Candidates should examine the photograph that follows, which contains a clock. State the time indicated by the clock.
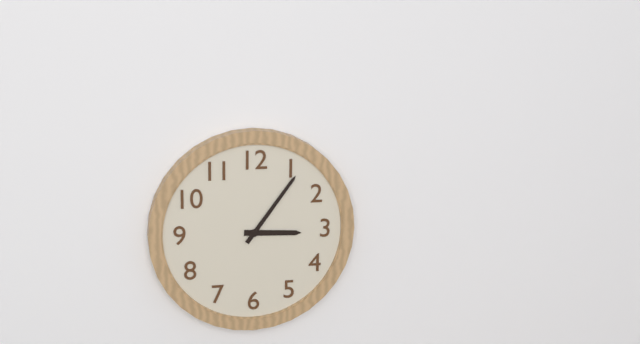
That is 3:06
